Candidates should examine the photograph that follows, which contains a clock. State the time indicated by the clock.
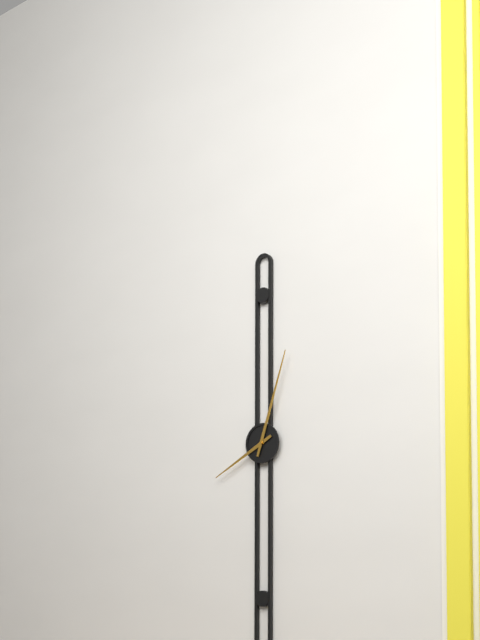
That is 8:03
